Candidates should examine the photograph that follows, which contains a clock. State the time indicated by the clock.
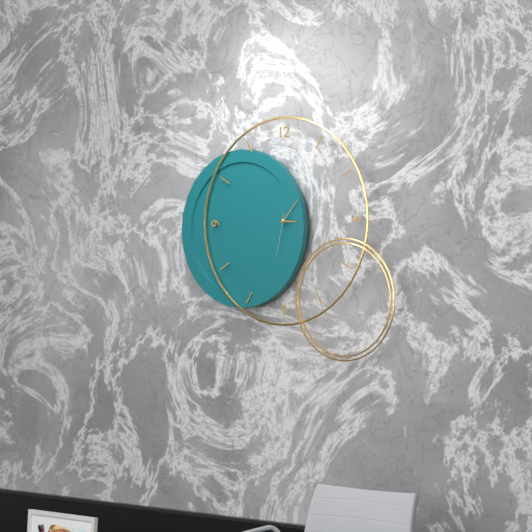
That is 3:07
